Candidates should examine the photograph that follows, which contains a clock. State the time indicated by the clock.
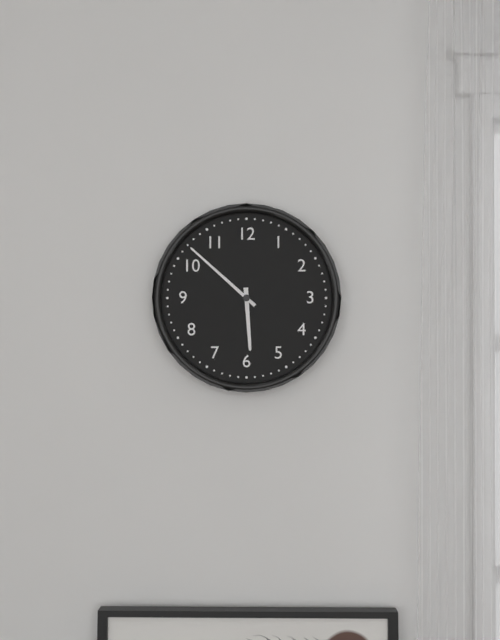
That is 5:52
